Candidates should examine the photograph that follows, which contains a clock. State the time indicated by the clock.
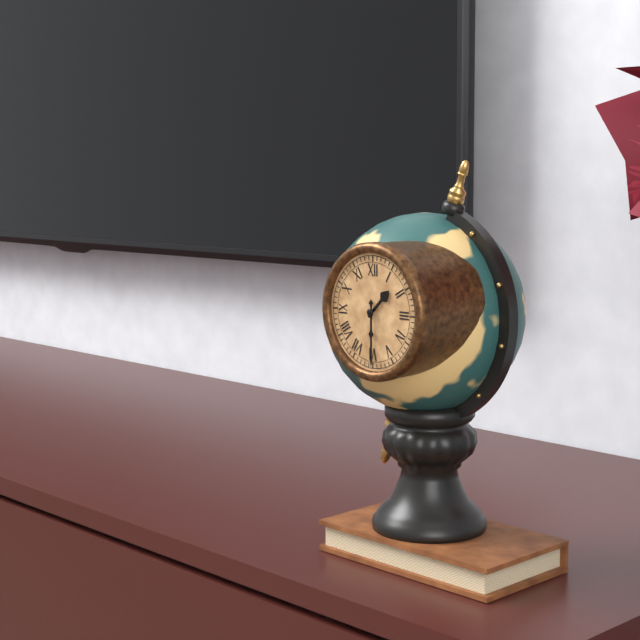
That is 1:30
